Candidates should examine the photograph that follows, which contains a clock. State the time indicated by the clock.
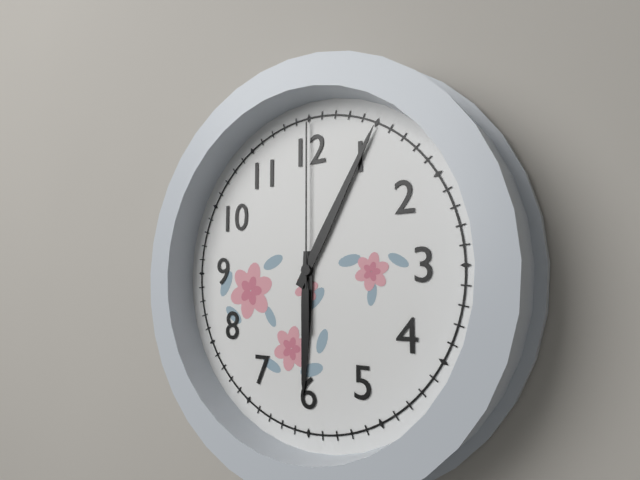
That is 6:05:00
